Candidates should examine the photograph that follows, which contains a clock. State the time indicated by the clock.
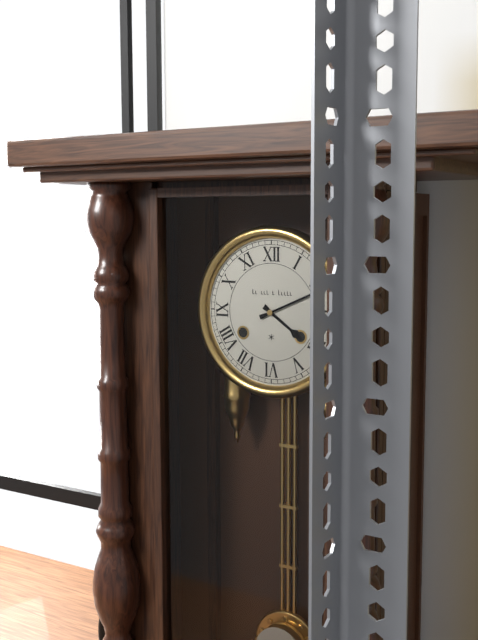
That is 4:11
